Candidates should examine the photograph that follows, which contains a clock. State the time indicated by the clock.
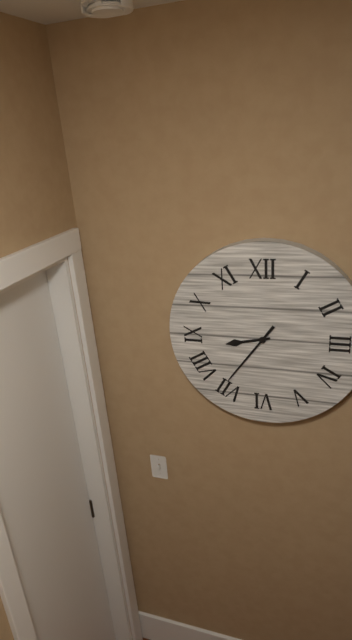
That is 8:36
